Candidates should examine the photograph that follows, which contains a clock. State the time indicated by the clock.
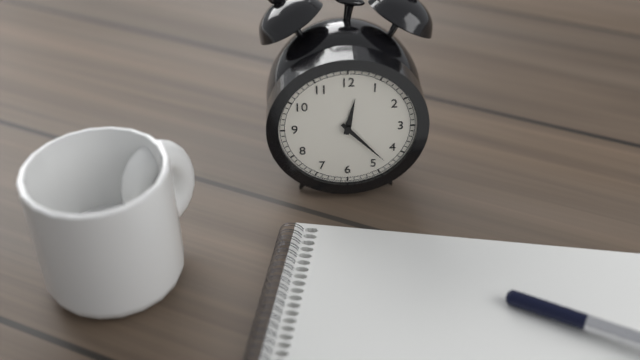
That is 12:23
